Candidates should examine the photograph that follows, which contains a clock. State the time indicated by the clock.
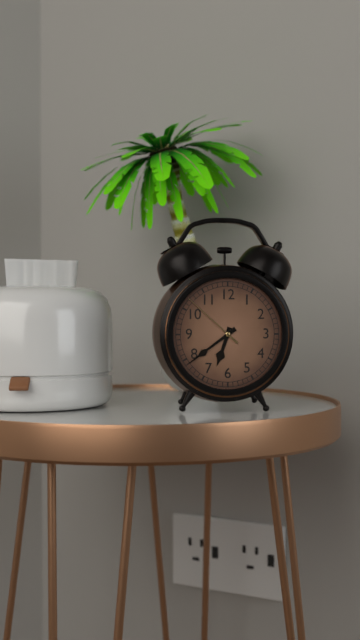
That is 6:39:52
